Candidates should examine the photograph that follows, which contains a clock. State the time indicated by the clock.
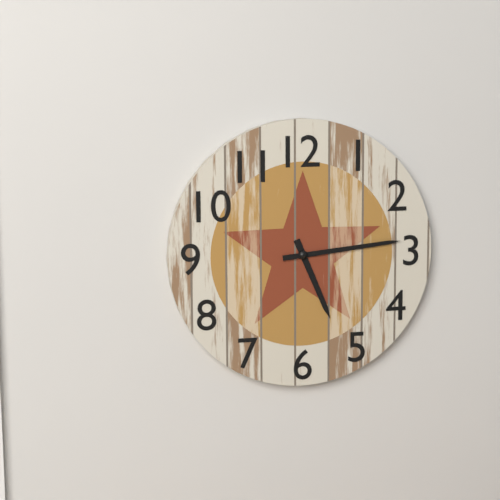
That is 5:14
